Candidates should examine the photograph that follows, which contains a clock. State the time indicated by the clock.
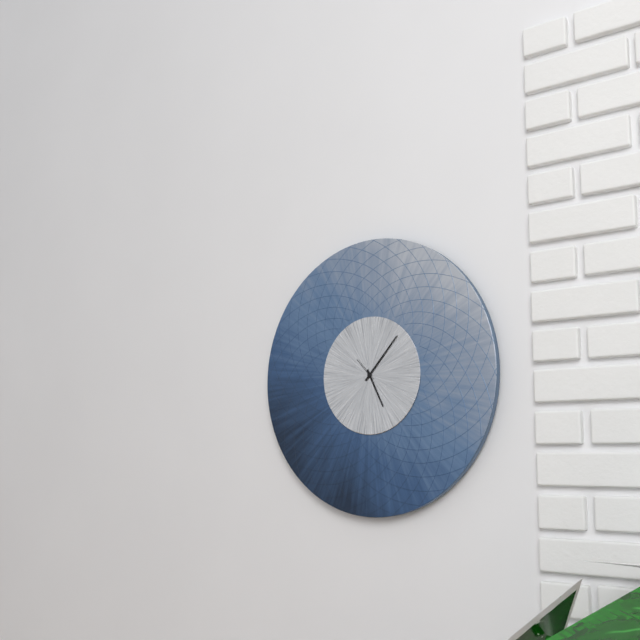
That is 5:07
